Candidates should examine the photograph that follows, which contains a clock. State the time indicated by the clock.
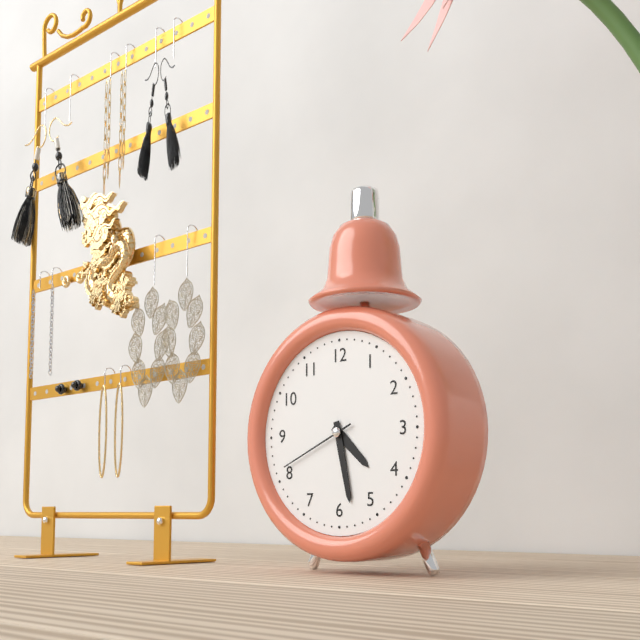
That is 4:28:41
